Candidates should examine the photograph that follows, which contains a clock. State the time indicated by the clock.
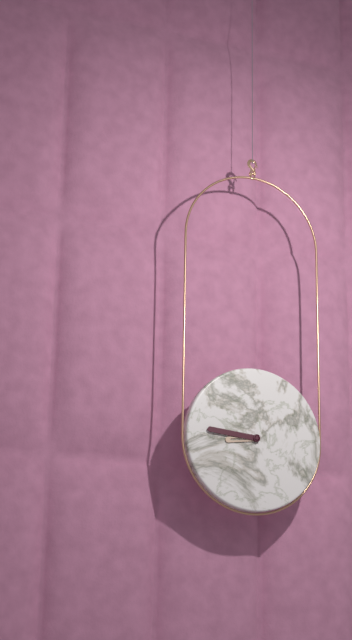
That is 8:46
